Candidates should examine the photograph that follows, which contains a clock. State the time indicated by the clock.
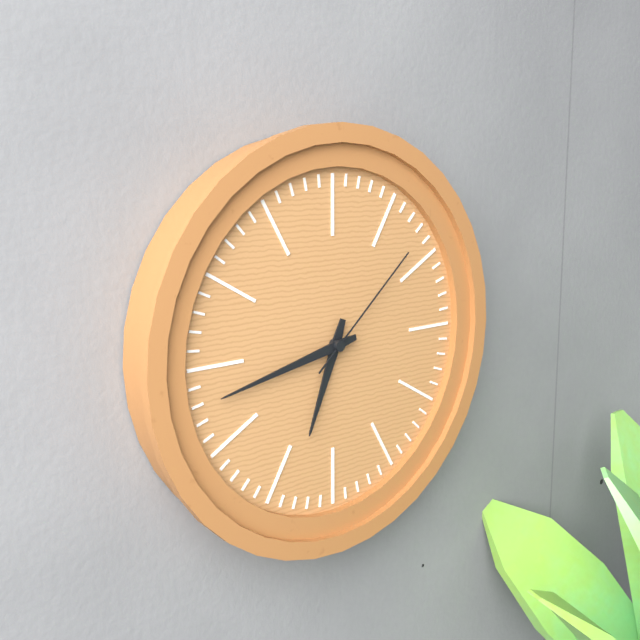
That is 6:43:08
